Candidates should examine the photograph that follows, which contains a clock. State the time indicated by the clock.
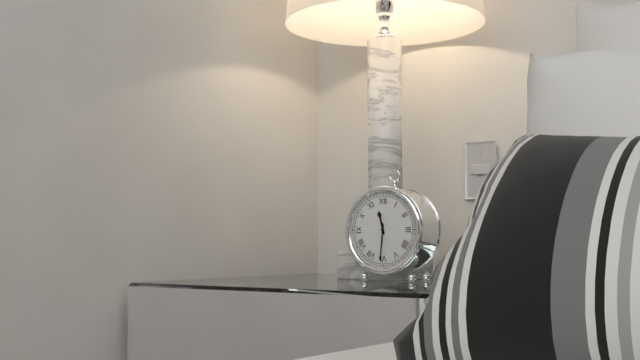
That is 11:31
